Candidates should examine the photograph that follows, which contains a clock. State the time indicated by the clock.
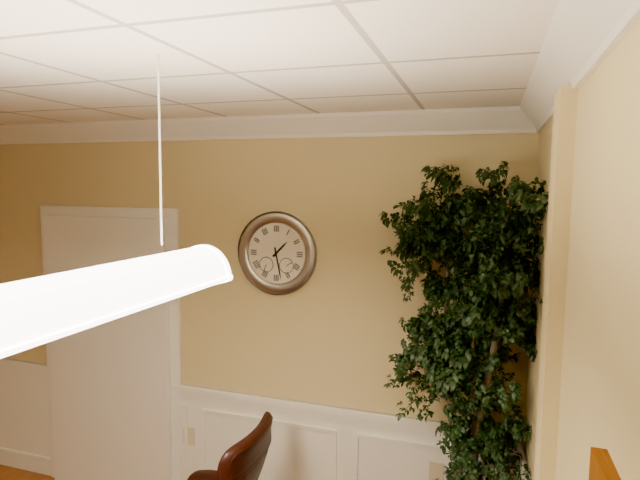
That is 1:28
